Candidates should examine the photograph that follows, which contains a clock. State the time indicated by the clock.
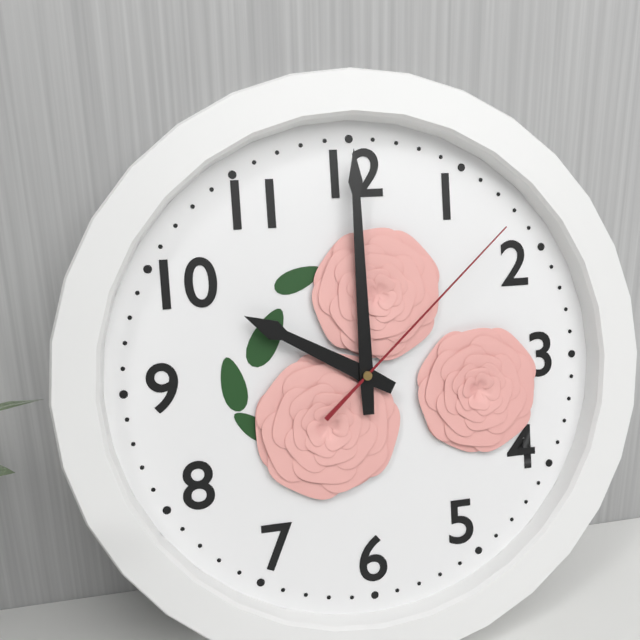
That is 10:00:08
